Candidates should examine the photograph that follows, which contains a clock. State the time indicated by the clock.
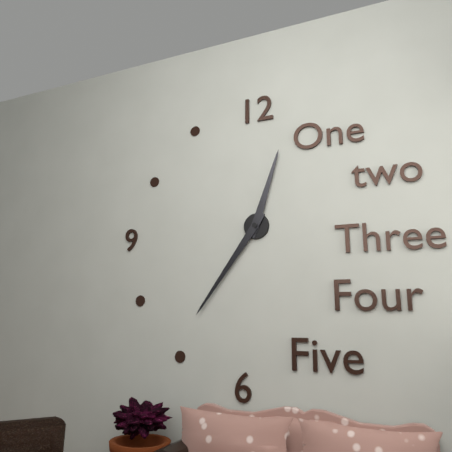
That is 12:36
